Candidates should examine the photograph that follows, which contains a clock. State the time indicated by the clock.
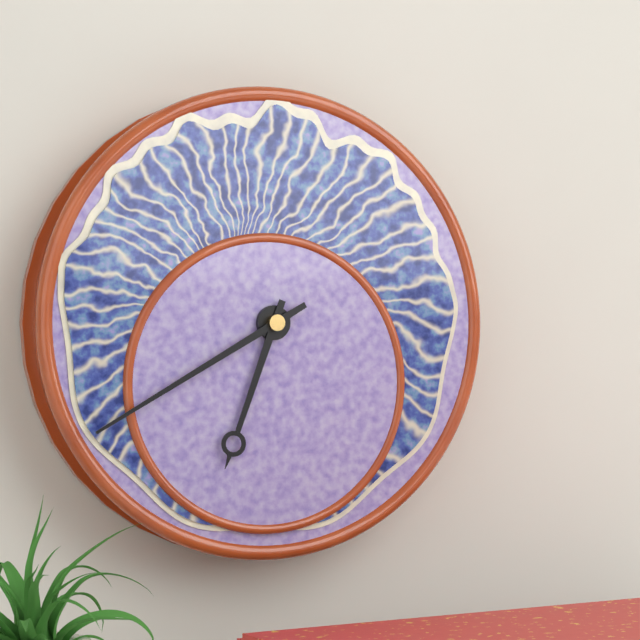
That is 6:40
